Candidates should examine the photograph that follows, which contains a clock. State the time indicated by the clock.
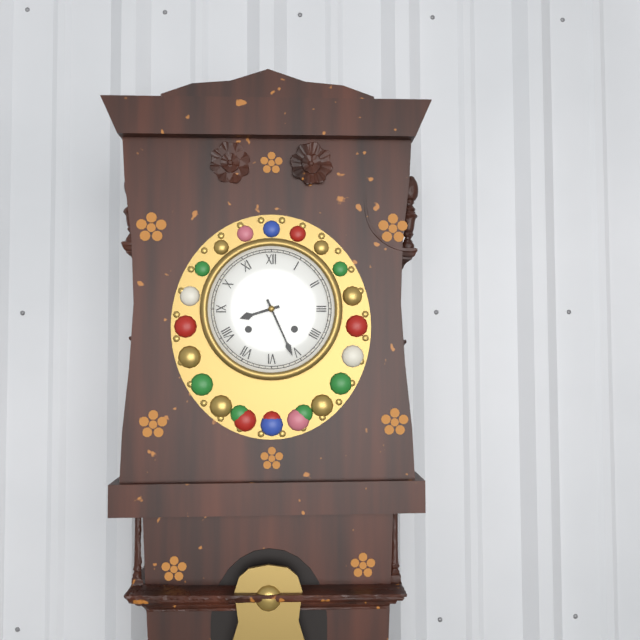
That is 8:26
